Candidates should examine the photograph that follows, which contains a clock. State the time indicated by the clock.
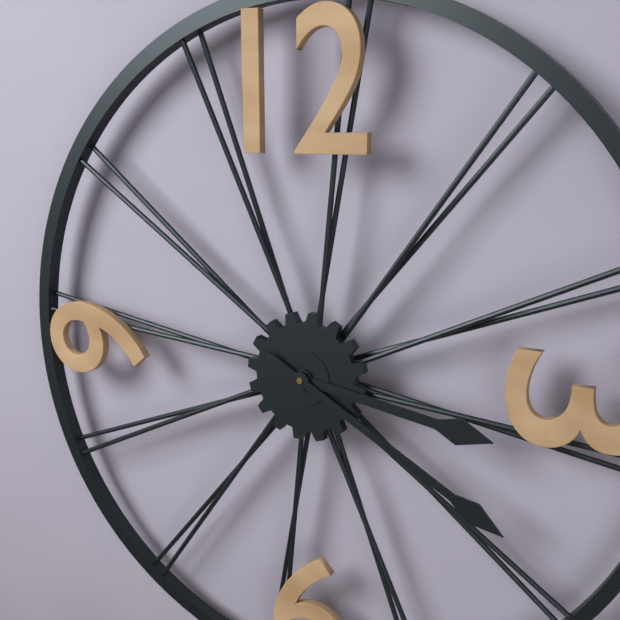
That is 3:20
